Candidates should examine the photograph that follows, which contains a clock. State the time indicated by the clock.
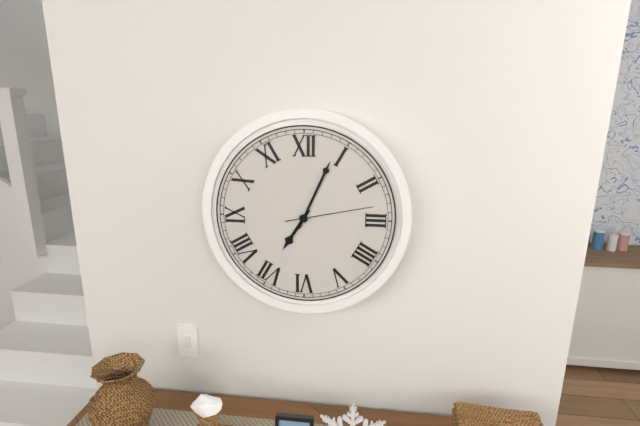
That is 7:04:13
